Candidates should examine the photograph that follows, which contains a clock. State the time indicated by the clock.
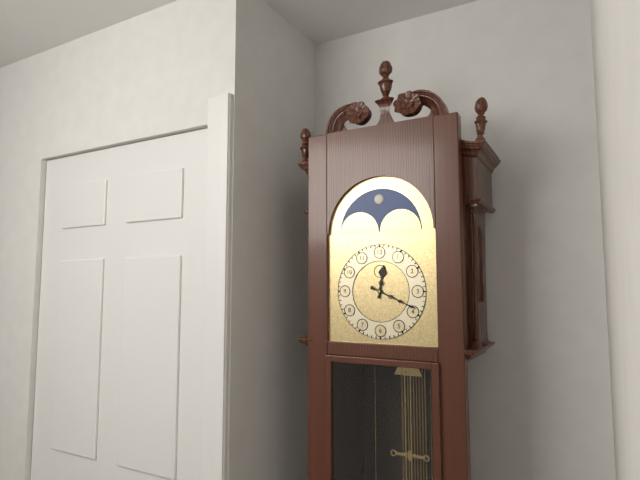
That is 12:19
